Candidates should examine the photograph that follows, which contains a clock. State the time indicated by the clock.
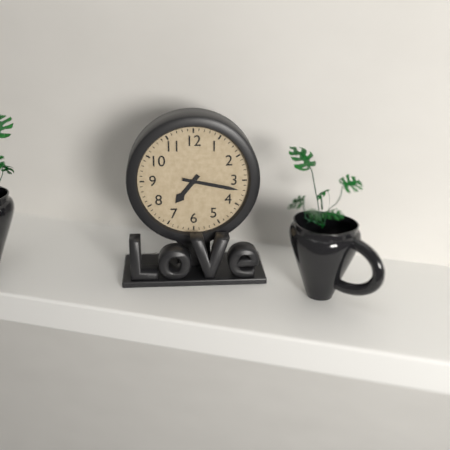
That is 7:17
